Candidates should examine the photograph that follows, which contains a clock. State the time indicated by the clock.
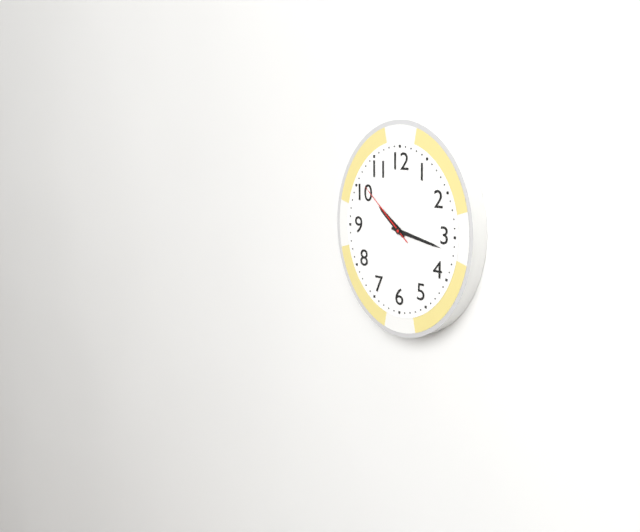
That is 10:17:52
